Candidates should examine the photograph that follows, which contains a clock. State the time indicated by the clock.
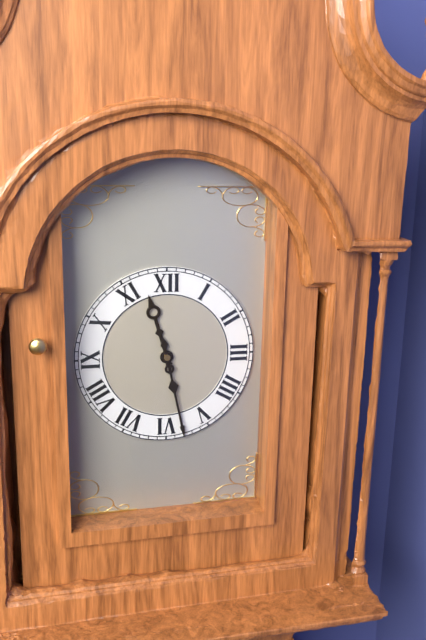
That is 11:28
